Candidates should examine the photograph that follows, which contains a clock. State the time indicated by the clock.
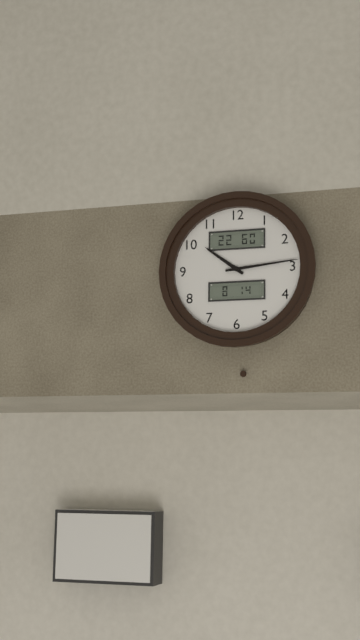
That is 10:14
